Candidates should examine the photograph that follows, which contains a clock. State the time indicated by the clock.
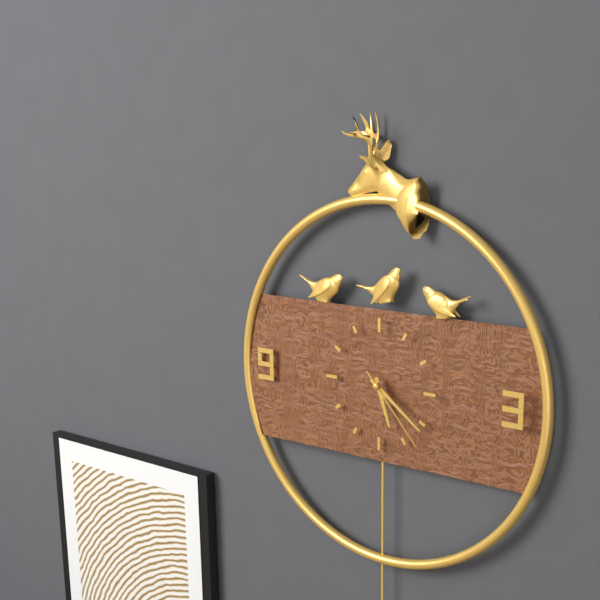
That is 5:21:23
